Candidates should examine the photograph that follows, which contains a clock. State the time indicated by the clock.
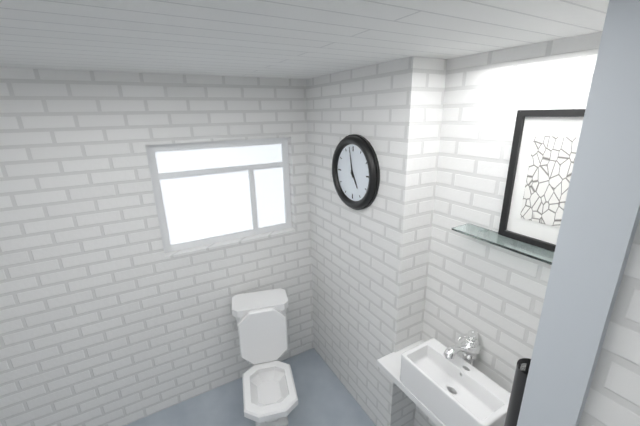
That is 4:58
